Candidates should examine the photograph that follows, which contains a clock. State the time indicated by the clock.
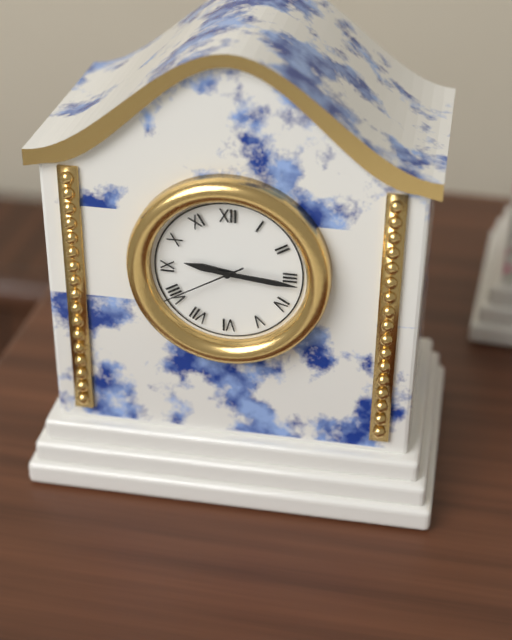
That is 9:16:40
